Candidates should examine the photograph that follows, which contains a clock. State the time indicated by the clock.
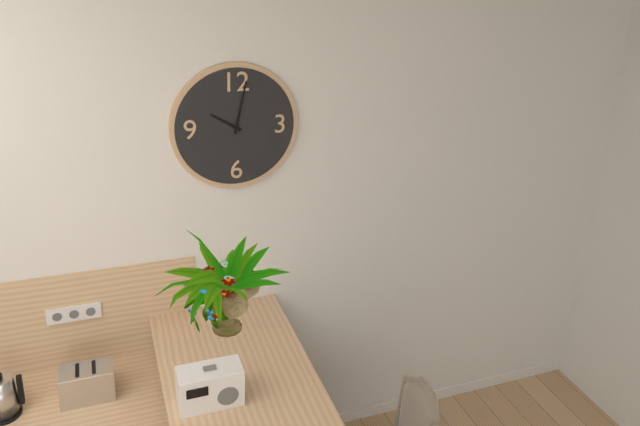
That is 10:02
